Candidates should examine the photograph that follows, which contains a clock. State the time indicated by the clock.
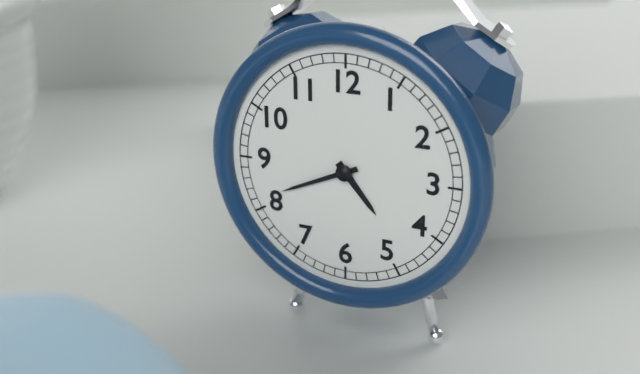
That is 4:41
